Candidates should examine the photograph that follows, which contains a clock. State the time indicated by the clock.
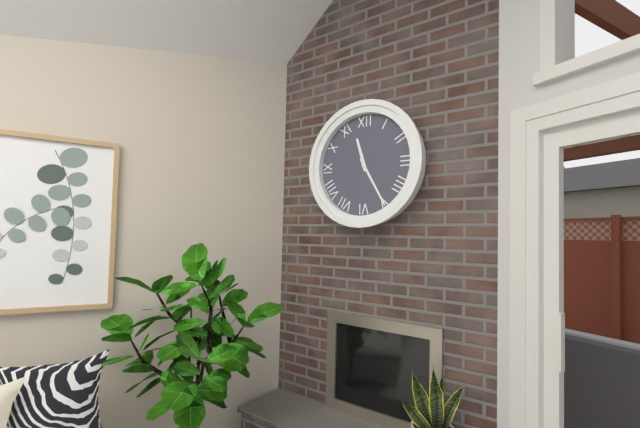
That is 11:25
